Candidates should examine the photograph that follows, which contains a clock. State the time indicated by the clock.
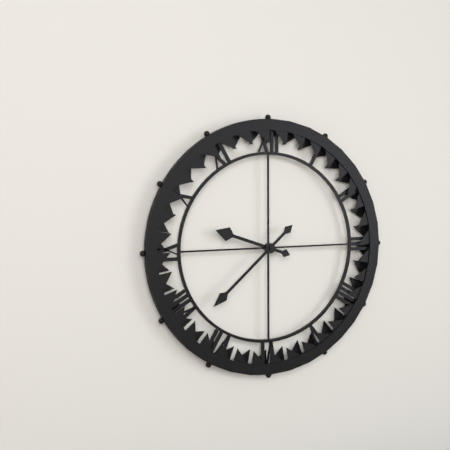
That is 9:38
